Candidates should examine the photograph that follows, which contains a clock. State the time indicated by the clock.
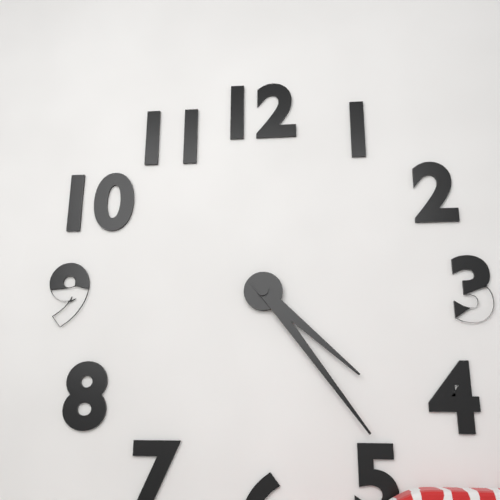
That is 4:24
